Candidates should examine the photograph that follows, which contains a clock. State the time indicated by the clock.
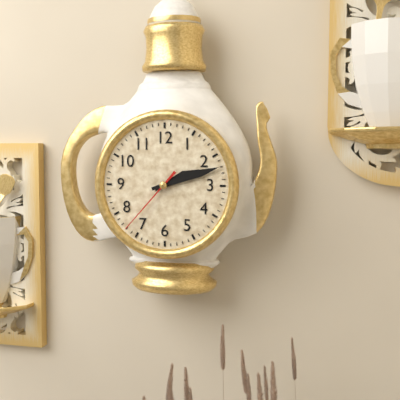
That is 2:12:37
